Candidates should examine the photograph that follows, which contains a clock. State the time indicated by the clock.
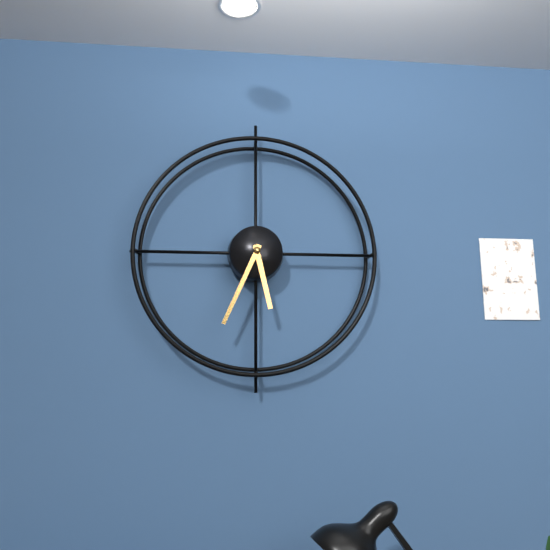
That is 5:34
